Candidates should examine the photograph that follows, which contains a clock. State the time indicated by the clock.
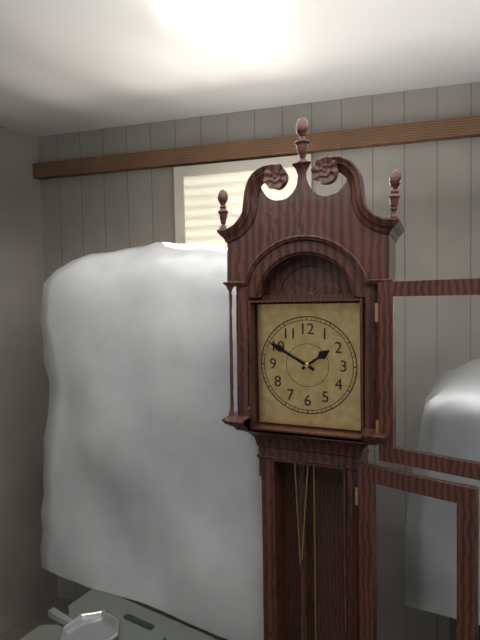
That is 1:50
